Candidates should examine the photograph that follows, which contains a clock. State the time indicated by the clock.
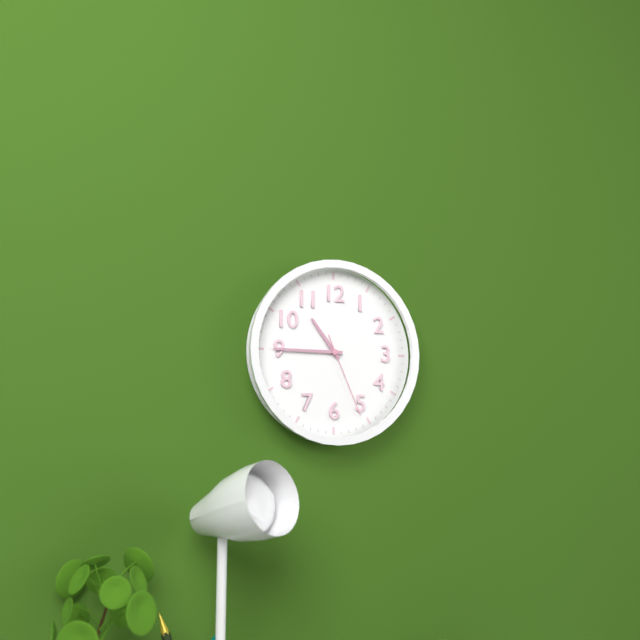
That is 10:45:26
